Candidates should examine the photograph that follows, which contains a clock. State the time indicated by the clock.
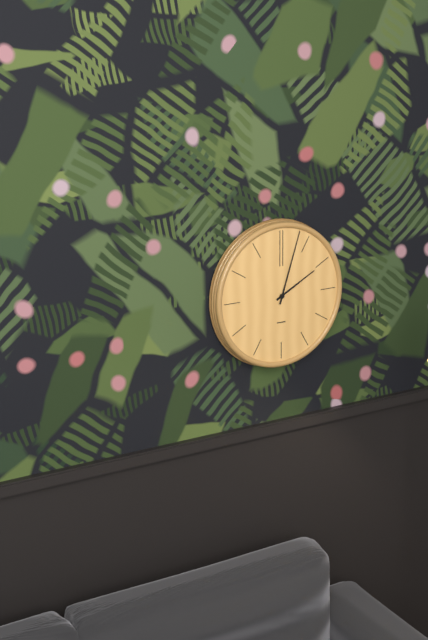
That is 2:03
